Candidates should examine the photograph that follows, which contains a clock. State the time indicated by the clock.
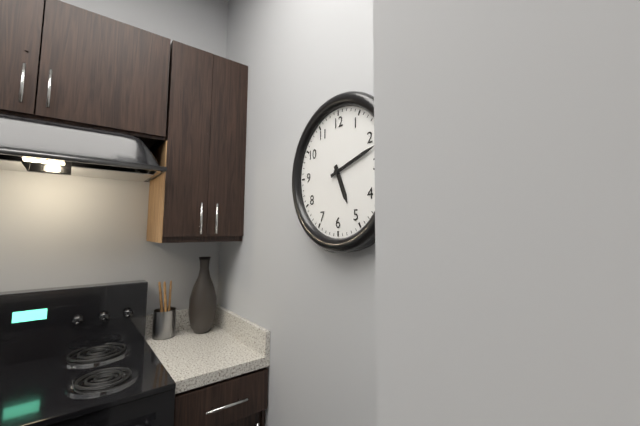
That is 5:12
